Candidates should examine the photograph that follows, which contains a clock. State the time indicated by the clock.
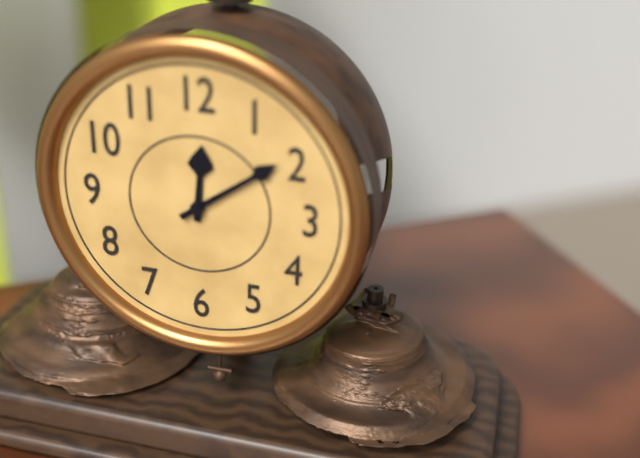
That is 12:09
